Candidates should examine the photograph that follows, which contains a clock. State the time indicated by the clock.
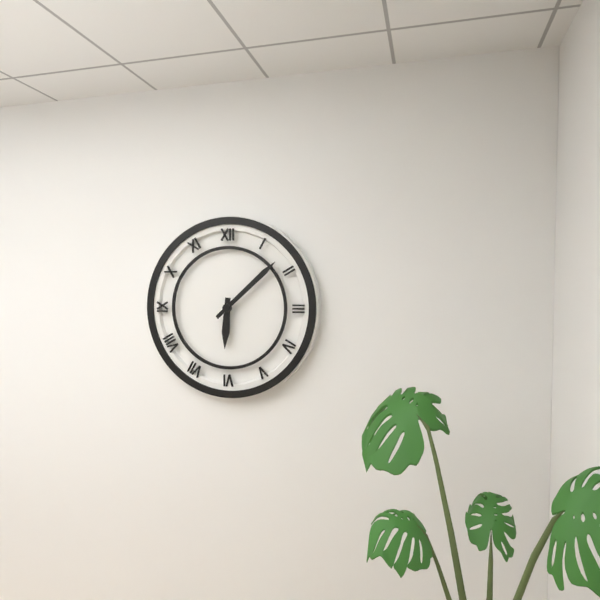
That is 6:08
